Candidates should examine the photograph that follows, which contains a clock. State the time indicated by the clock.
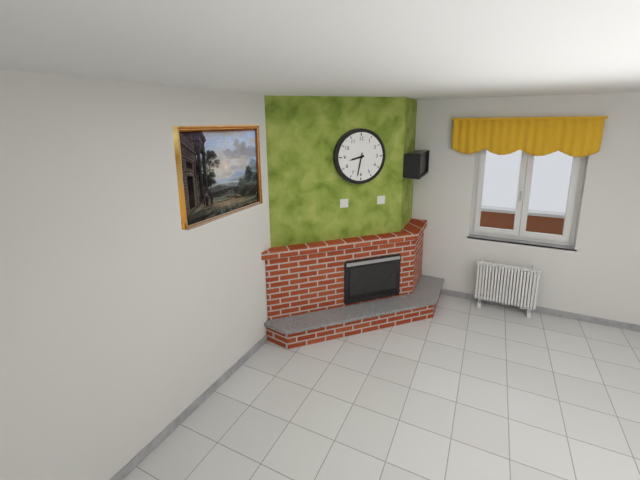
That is 8:32
